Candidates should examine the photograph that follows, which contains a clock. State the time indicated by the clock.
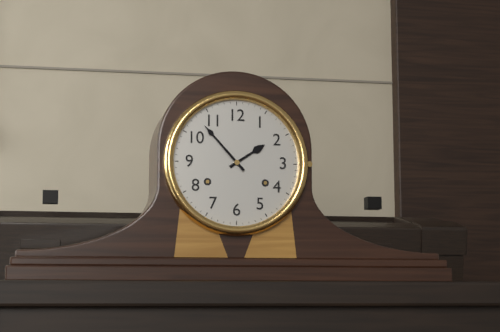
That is 1:53
